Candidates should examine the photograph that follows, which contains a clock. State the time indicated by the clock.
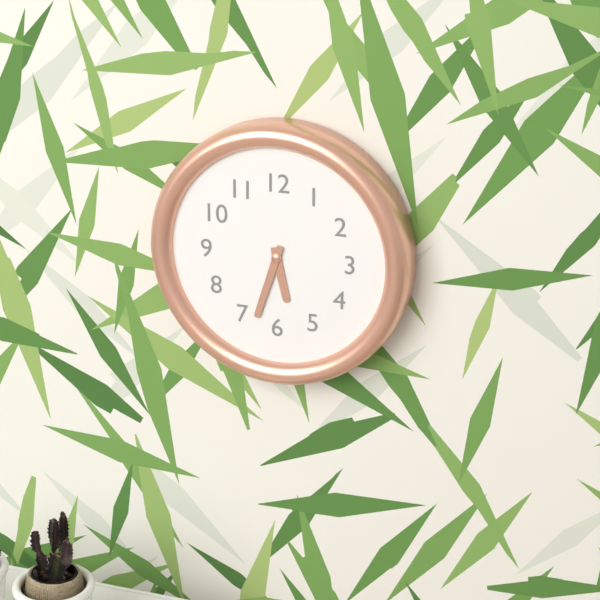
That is 5:33
